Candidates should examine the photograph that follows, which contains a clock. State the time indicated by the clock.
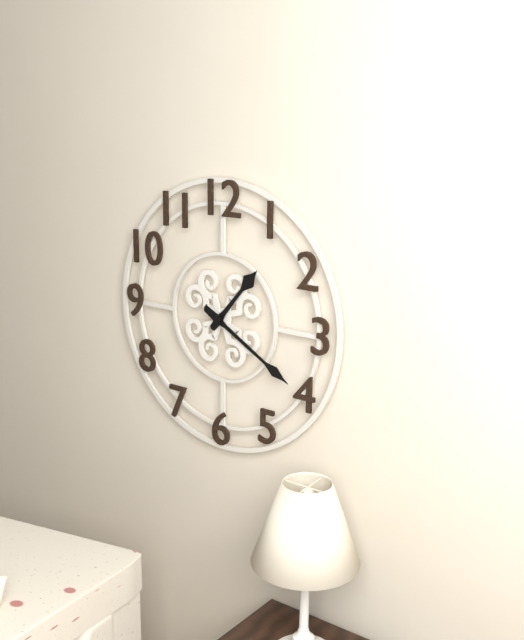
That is 1:20
